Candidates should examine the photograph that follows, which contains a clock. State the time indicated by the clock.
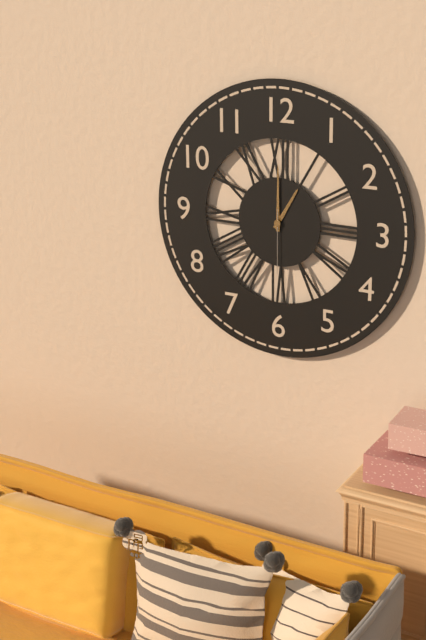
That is 1:00:30
